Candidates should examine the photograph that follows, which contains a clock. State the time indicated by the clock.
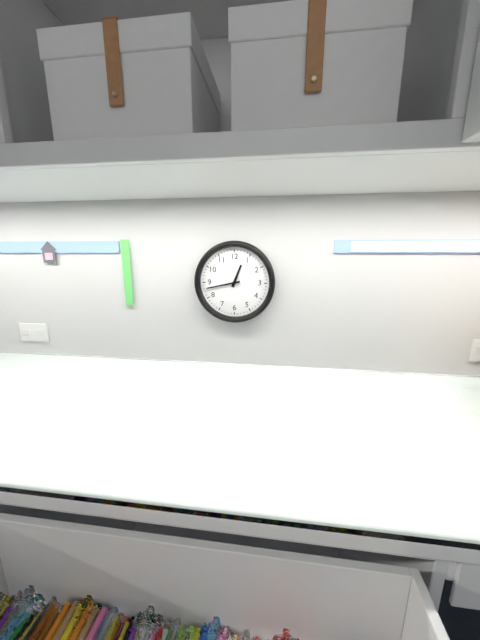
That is 12:43
